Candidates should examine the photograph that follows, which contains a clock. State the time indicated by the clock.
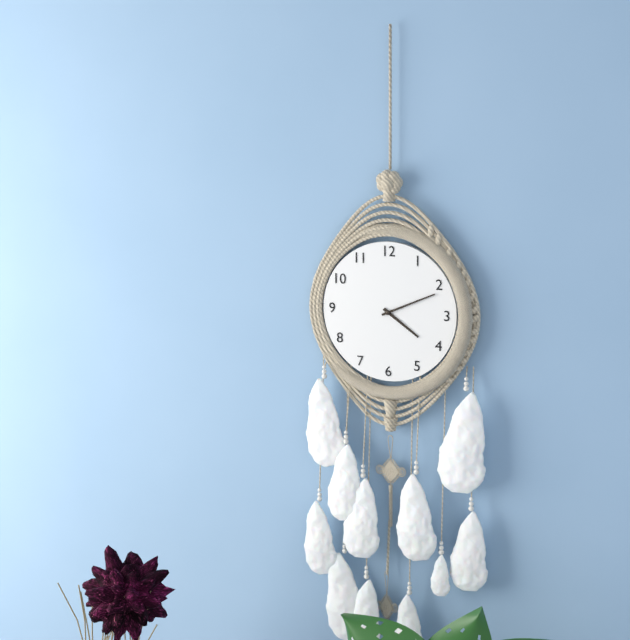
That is 4:11
